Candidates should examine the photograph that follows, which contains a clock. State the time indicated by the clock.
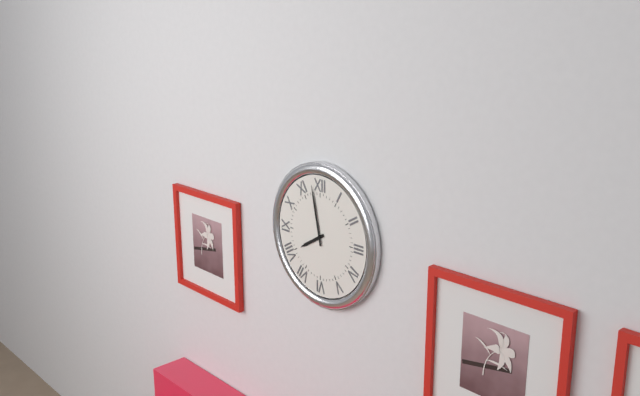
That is 7:58
